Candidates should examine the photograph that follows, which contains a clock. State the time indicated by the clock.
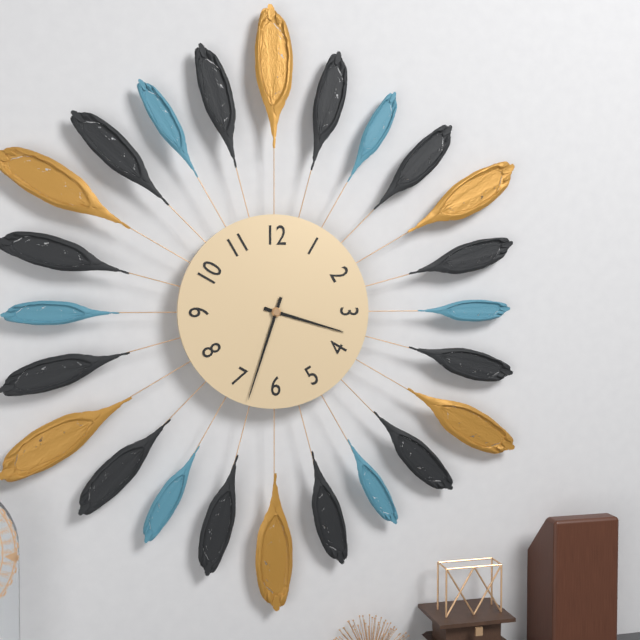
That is 3:33
